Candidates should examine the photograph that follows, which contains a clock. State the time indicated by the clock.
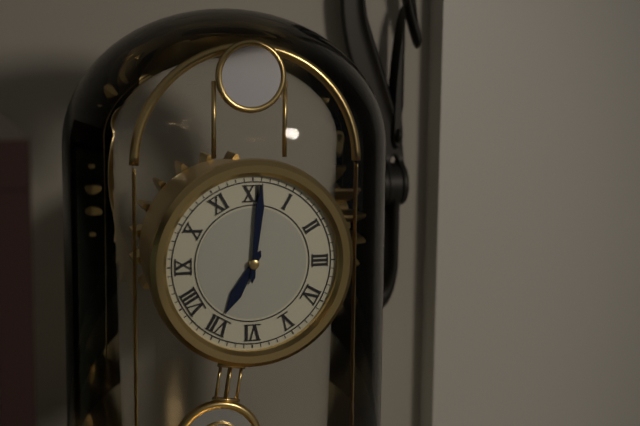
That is 7:01
